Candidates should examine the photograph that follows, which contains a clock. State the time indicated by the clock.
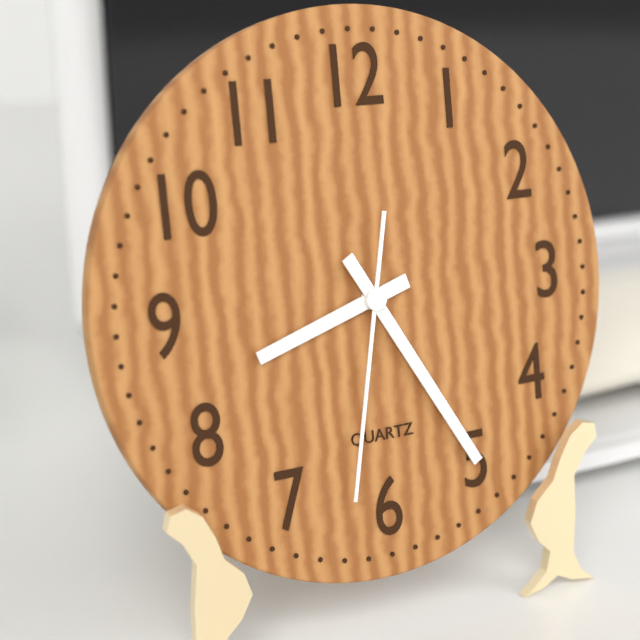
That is 8:25:32
